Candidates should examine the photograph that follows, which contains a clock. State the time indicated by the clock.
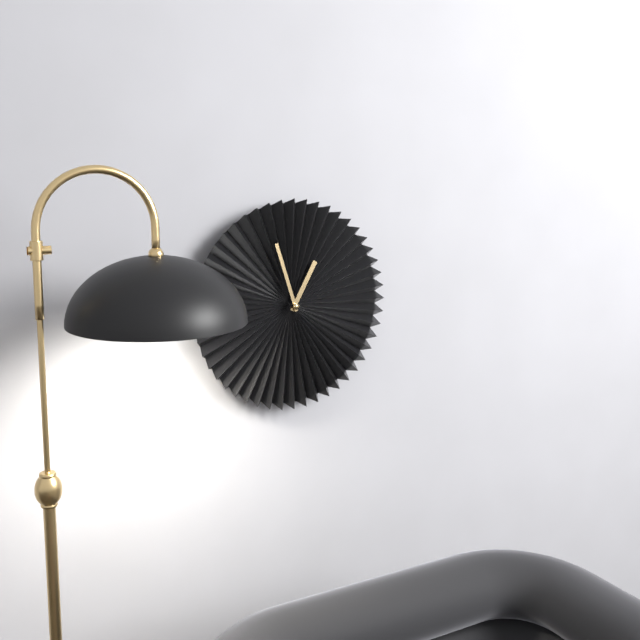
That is 12:57
